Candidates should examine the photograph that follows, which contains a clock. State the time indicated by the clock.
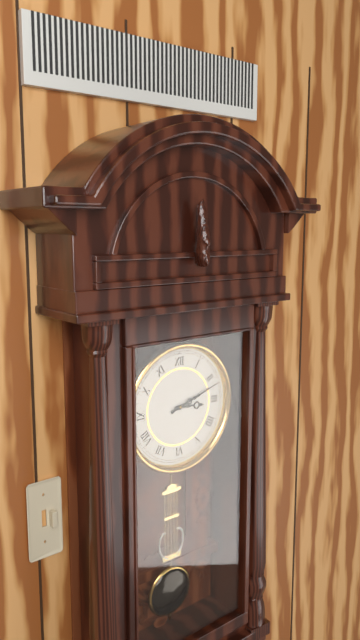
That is 3:12
